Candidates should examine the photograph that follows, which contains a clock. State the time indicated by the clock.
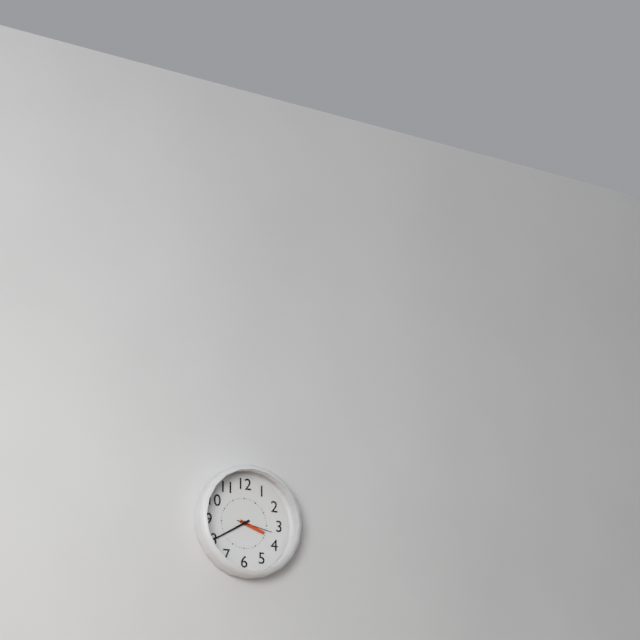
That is 3:40
